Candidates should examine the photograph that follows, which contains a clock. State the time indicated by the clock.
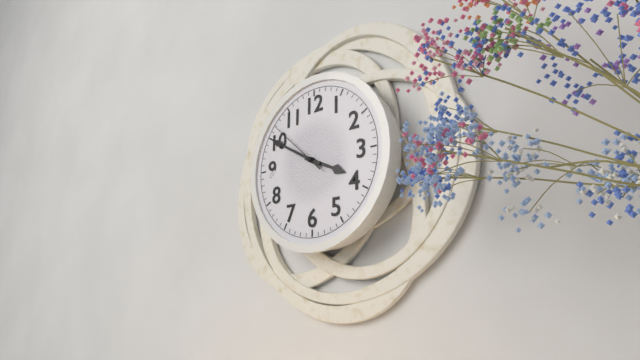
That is 3:50:52
